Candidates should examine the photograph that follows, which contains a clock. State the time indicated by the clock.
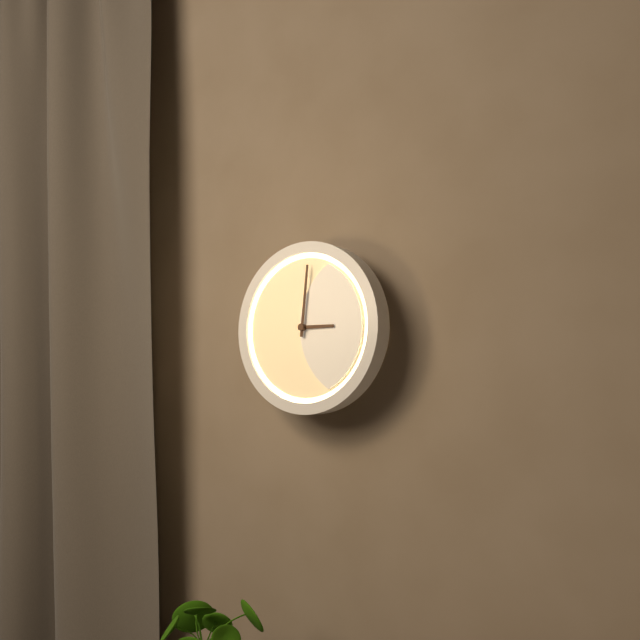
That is 3:01
